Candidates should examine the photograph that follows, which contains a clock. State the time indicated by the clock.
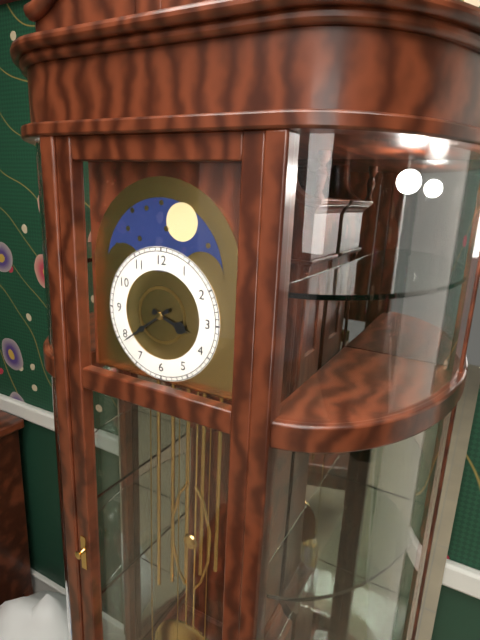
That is 3:39
